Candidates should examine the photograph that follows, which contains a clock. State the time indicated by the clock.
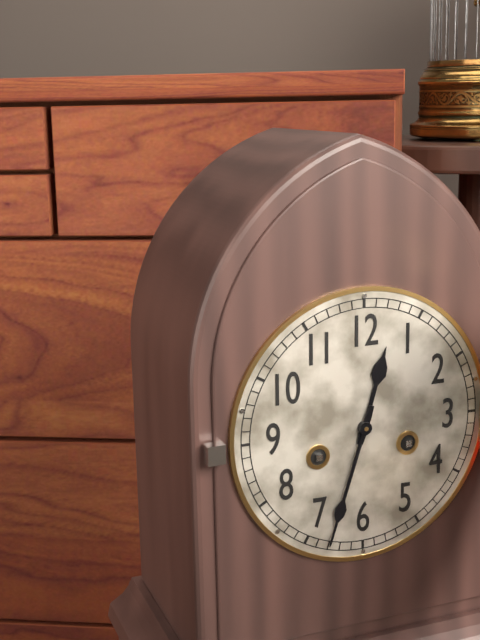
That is 12:33
